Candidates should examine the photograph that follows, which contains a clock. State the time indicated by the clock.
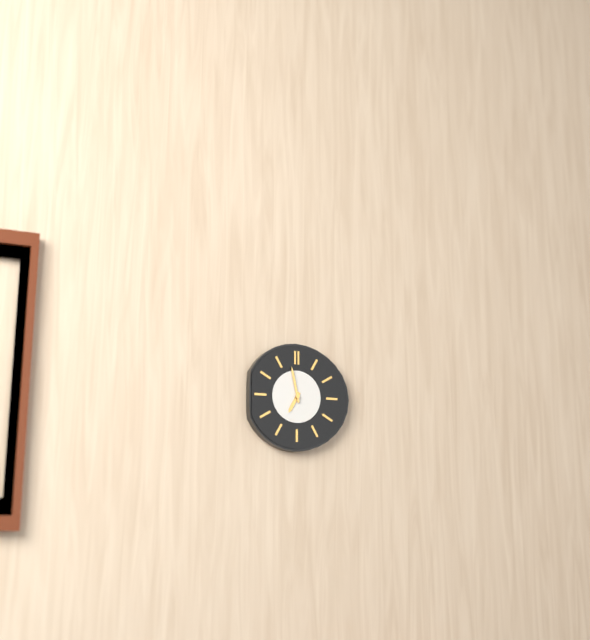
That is 6:58
